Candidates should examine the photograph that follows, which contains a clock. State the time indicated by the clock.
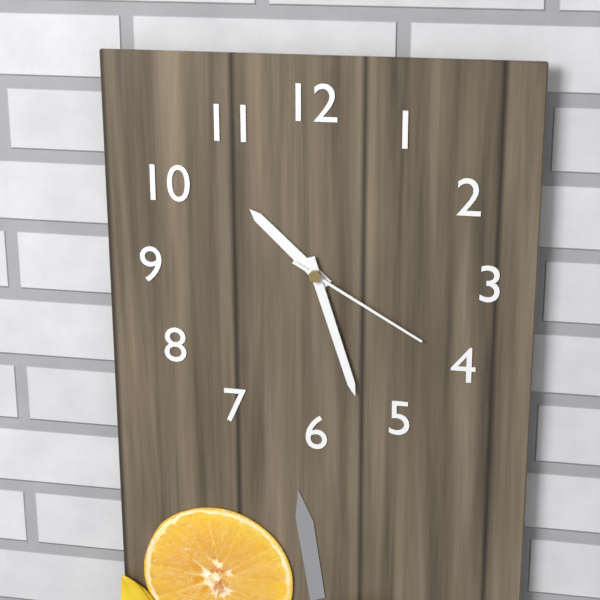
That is 10:27:20
